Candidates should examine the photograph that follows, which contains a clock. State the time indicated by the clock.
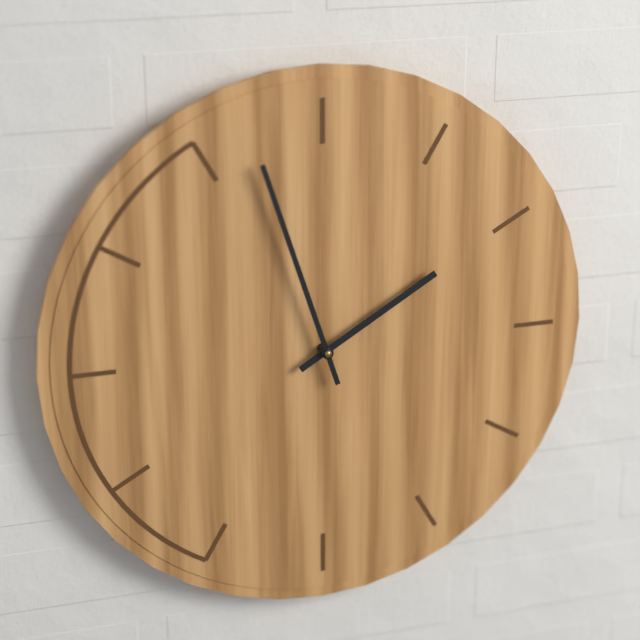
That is 1:57
